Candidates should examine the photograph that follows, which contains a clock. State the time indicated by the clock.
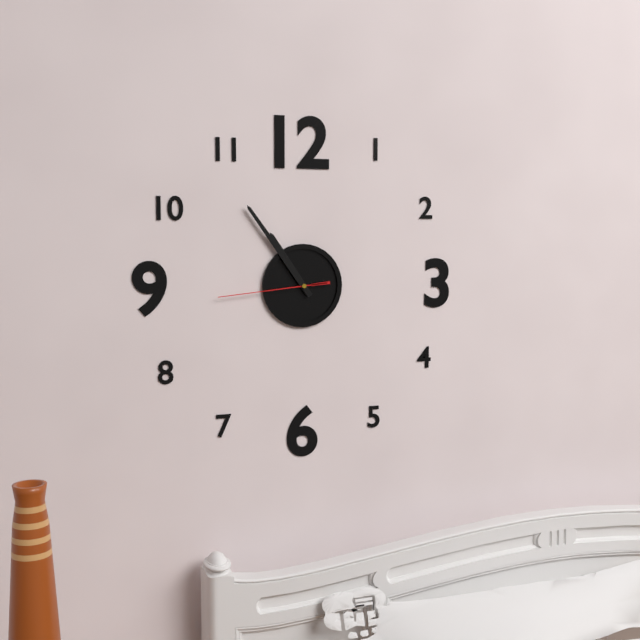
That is 10:54:44
